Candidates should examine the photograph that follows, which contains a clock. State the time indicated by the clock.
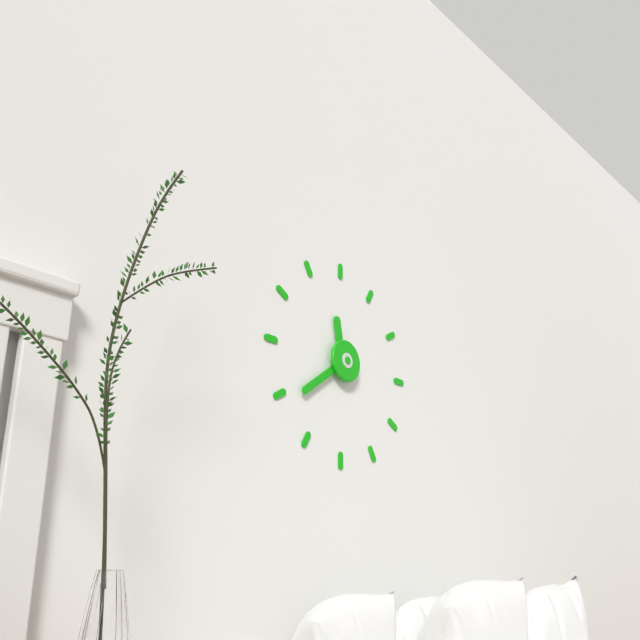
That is 11:39
